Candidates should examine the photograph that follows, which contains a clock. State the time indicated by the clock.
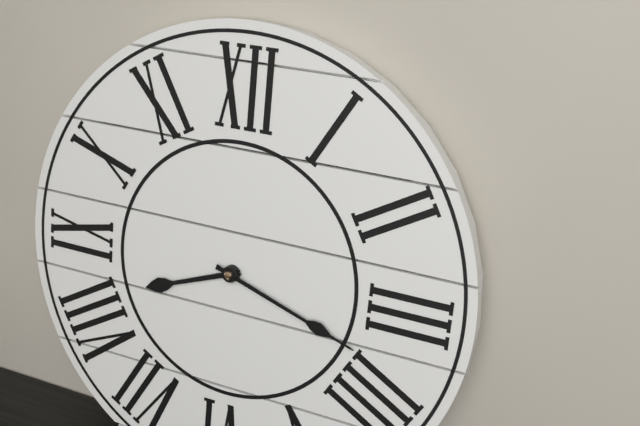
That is 8:18
